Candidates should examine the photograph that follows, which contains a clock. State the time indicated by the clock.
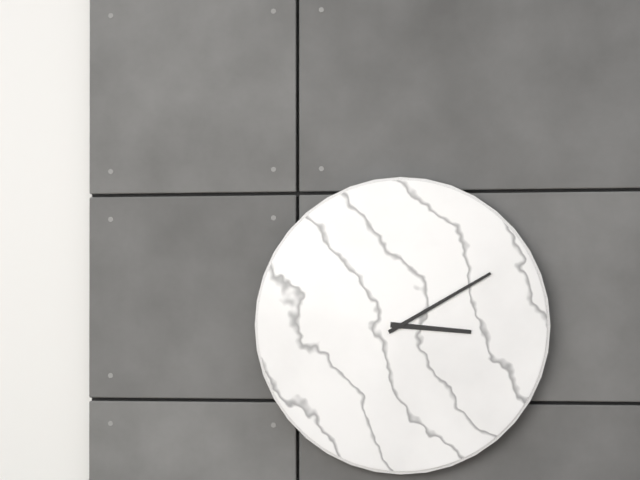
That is 3:10
